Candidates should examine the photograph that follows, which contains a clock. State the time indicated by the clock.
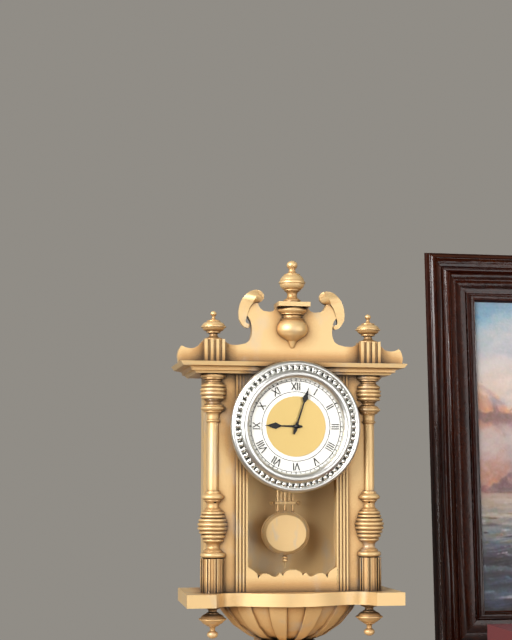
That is 9:03
